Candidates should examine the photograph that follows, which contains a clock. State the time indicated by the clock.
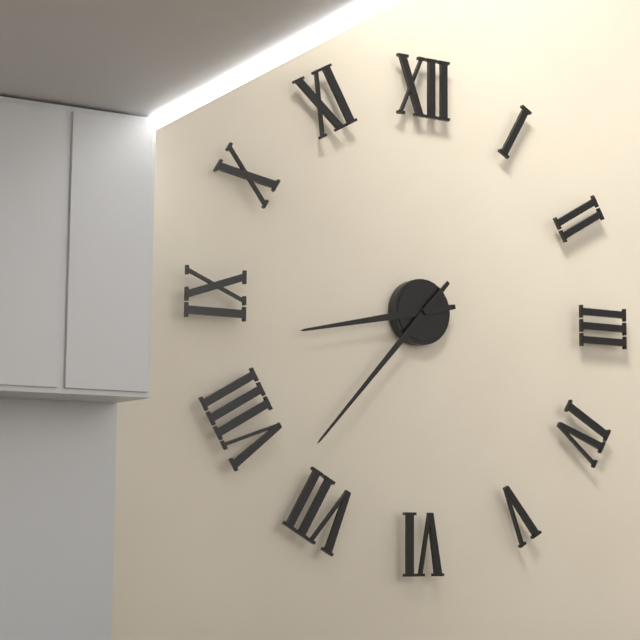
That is 8:37
